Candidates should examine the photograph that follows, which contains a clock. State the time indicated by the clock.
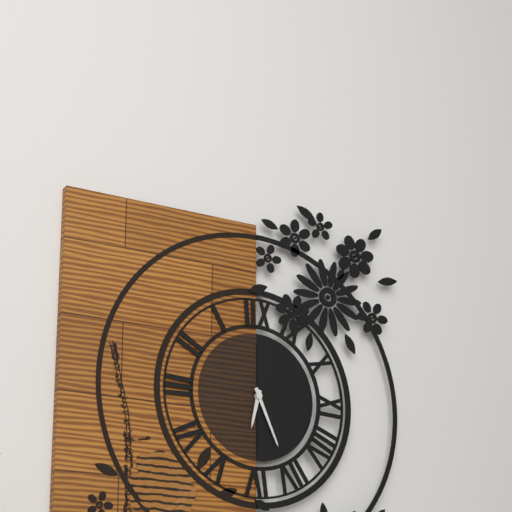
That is 6:26
